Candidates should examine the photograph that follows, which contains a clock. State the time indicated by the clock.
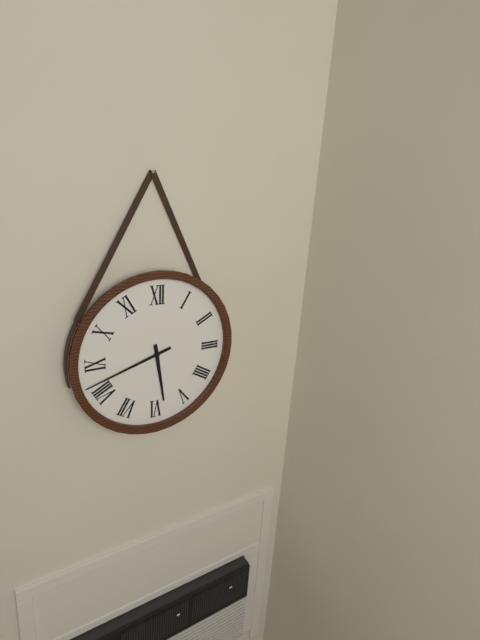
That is 5:42
